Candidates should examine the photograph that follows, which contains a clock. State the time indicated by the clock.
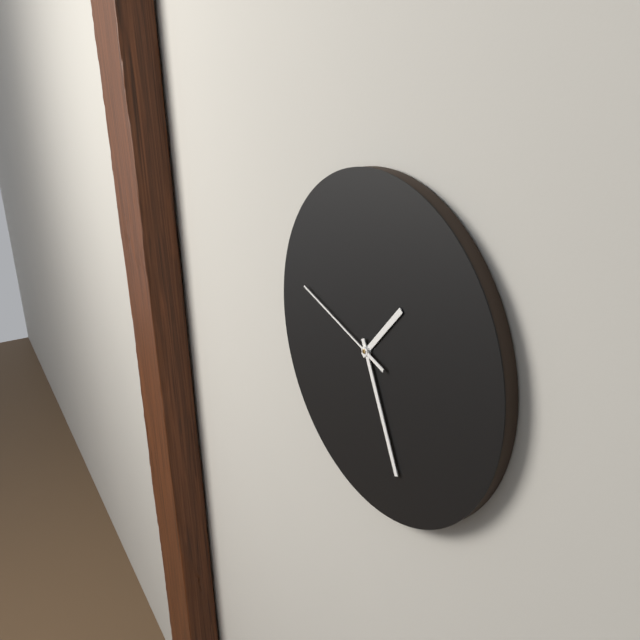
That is 1:26:48
